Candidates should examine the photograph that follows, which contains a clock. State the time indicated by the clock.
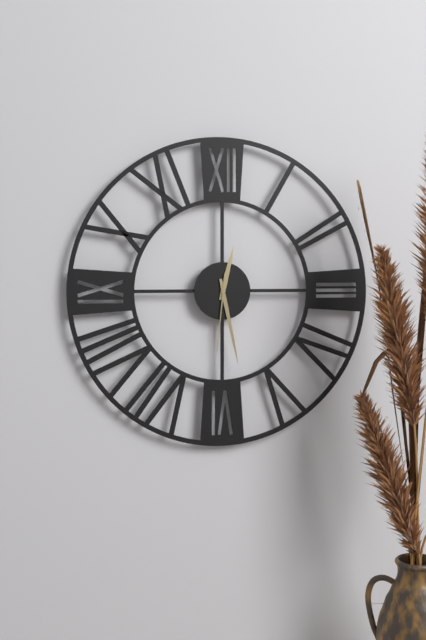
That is 12:28:31
